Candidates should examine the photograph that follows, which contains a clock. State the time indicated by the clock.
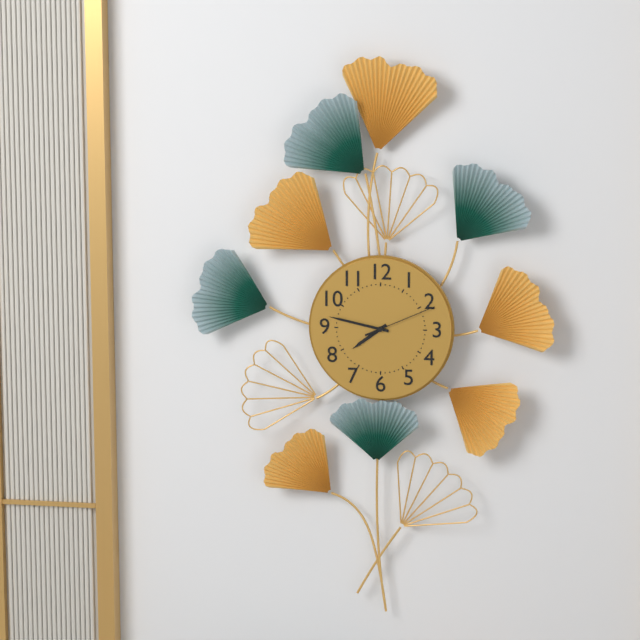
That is 7:47:11
